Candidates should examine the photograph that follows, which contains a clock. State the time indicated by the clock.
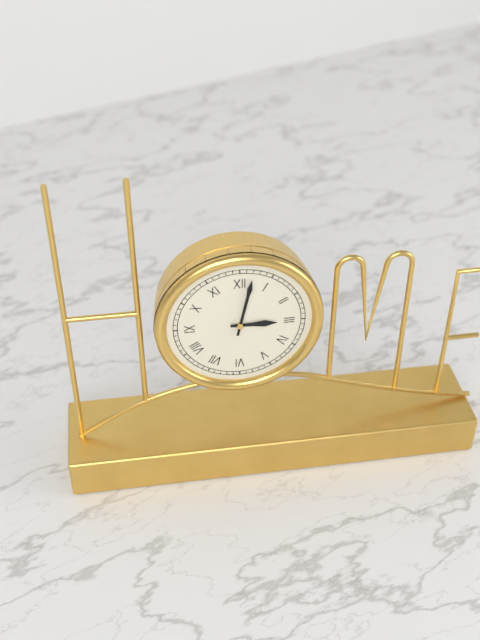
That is 3:02
